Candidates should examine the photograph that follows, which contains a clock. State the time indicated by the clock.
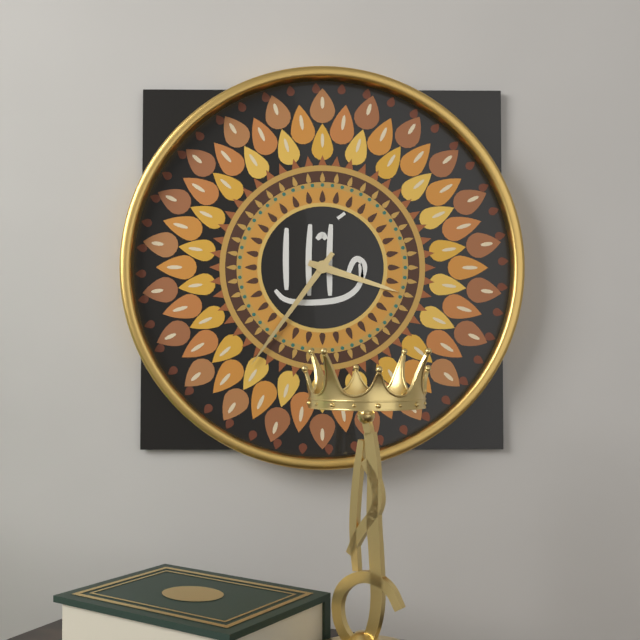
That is 3:36
